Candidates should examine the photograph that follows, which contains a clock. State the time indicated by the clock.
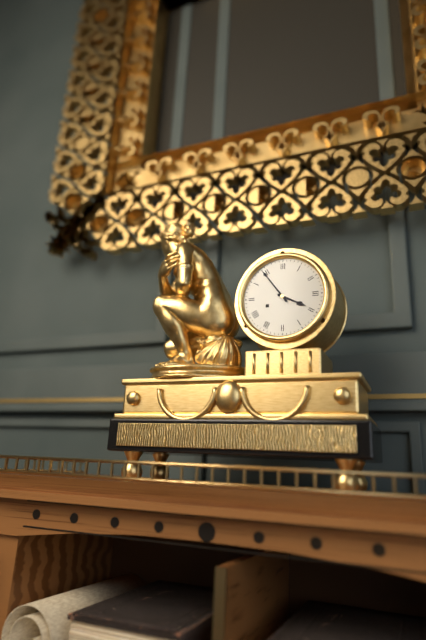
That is 3:54
